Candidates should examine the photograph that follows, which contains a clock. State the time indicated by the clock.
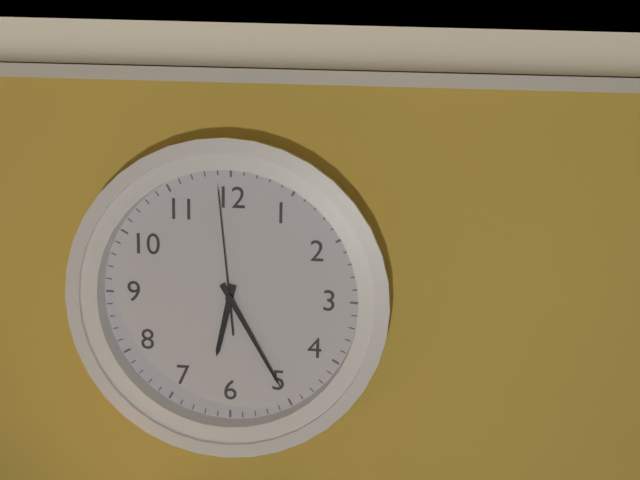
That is 6:25:59
